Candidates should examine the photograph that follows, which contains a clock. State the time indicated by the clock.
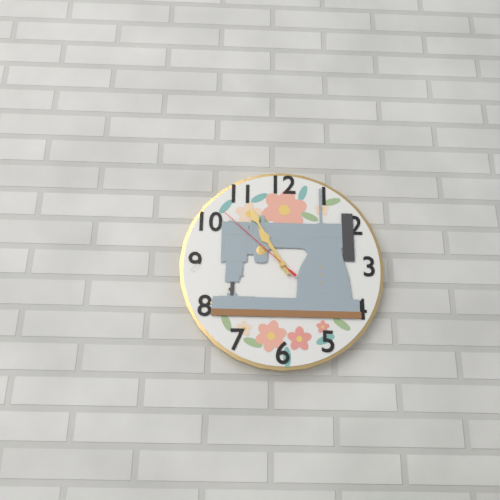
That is 10:55:52
